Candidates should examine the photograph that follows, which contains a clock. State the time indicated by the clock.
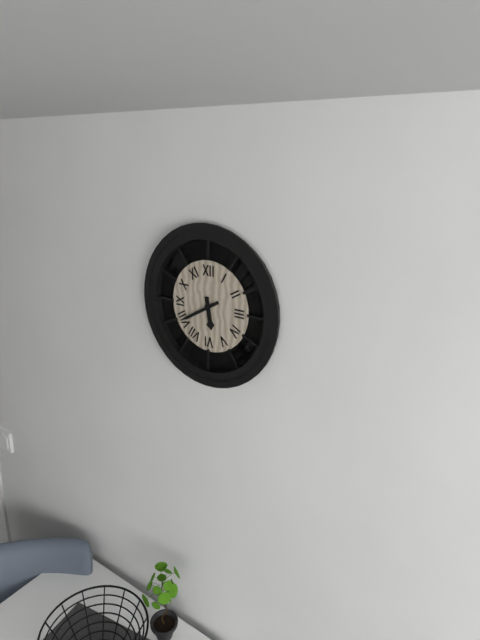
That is 5:40
